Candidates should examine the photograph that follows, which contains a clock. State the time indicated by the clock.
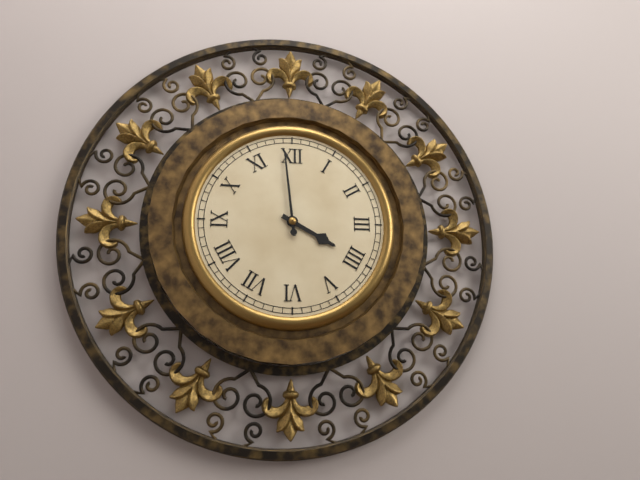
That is 3:59
